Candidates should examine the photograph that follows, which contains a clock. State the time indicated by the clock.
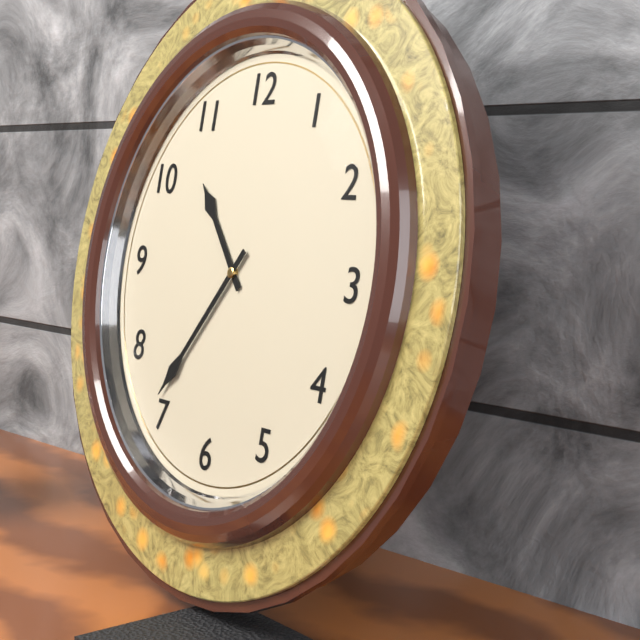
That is 10:36
